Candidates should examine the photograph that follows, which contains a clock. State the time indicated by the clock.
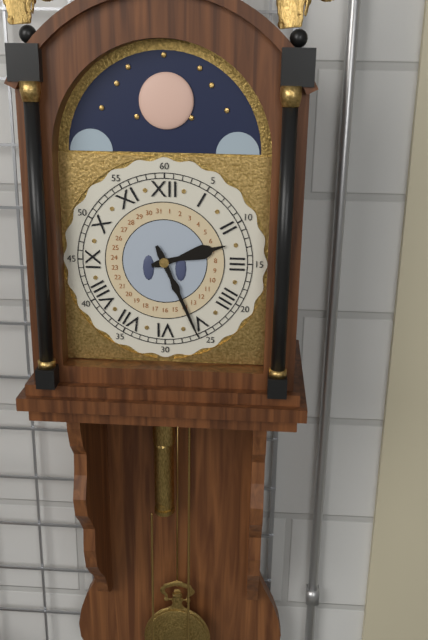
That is 2:26
